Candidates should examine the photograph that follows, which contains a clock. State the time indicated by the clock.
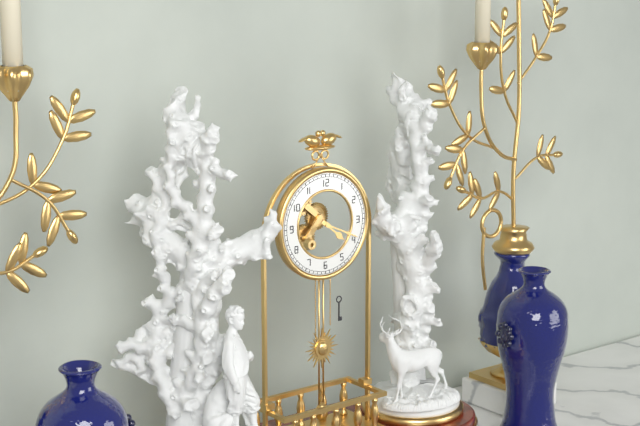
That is 4:19
